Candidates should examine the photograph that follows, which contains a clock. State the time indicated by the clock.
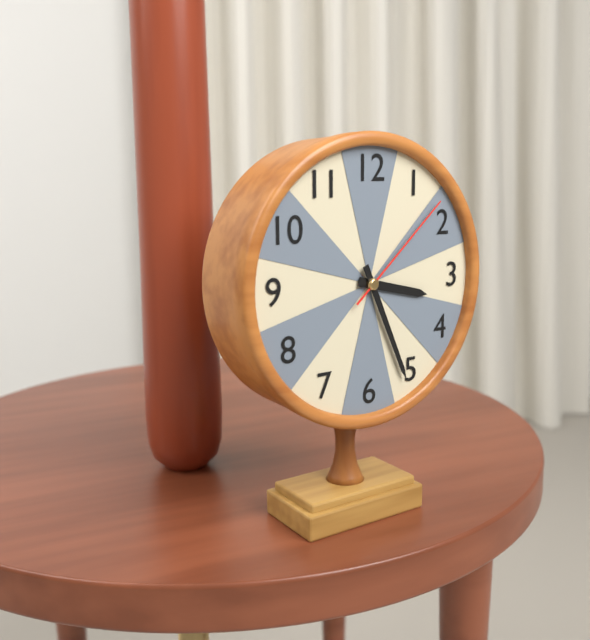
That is 3:26:08
